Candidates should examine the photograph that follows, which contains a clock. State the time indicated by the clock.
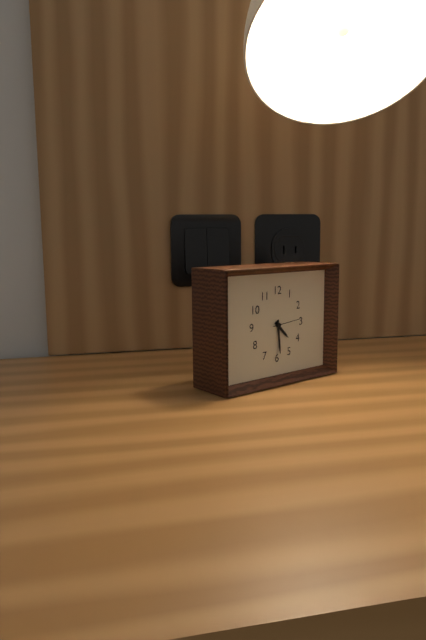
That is 4:29:14
